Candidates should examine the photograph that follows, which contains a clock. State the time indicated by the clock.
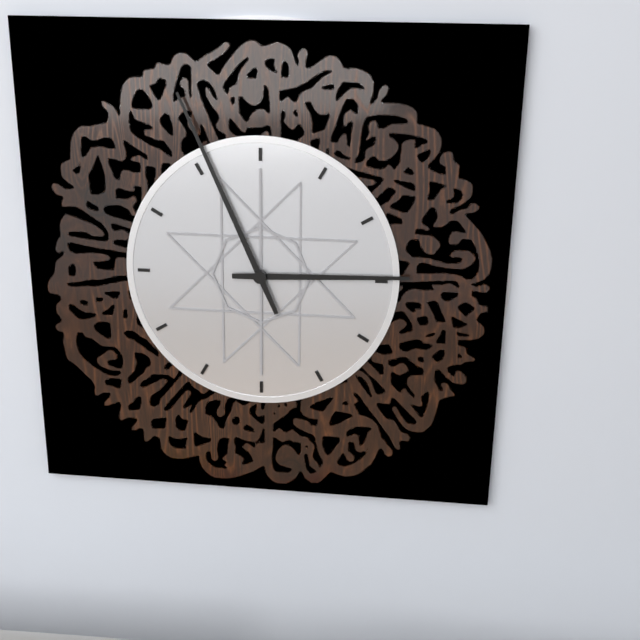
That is 2:56
